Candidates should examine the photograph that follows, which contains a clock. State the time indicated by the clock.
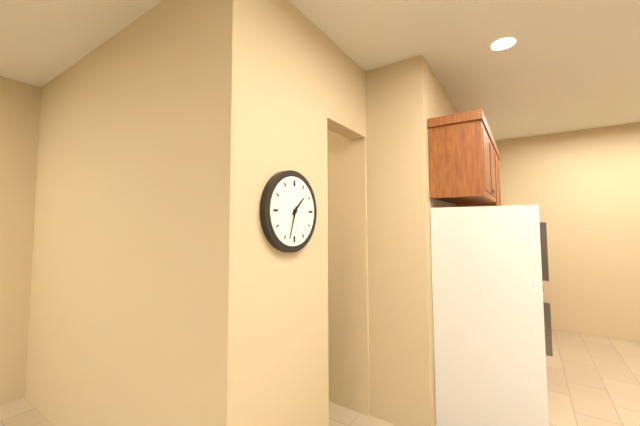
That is 1:33
